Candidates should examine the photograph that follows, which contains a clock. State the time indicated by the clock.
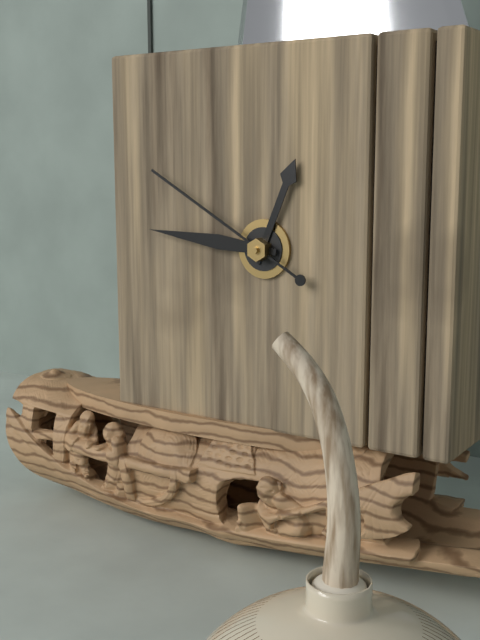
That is 12:46:50
